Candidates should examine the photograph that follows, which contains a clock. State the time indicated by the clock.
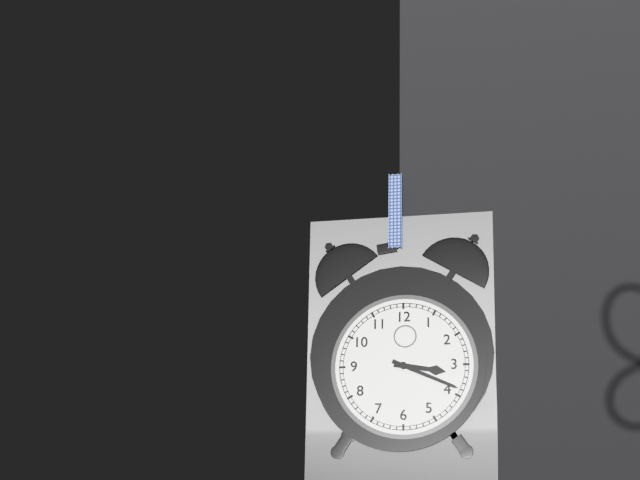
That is 3:19
